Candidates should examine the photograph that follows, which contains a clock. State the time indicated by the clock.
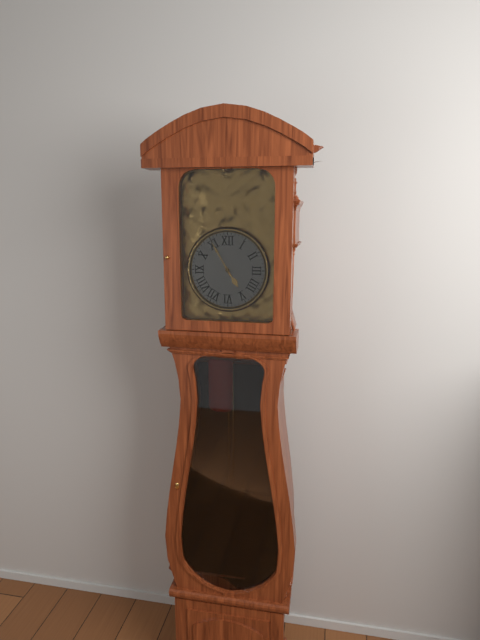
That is 4:55
